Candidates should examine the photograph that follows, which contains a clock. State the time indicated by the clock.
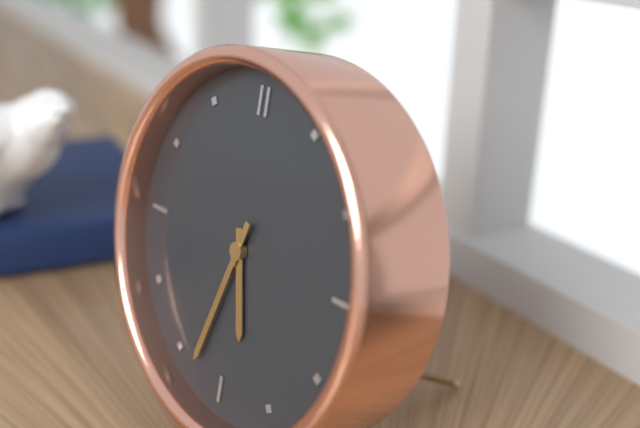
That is 5:33
